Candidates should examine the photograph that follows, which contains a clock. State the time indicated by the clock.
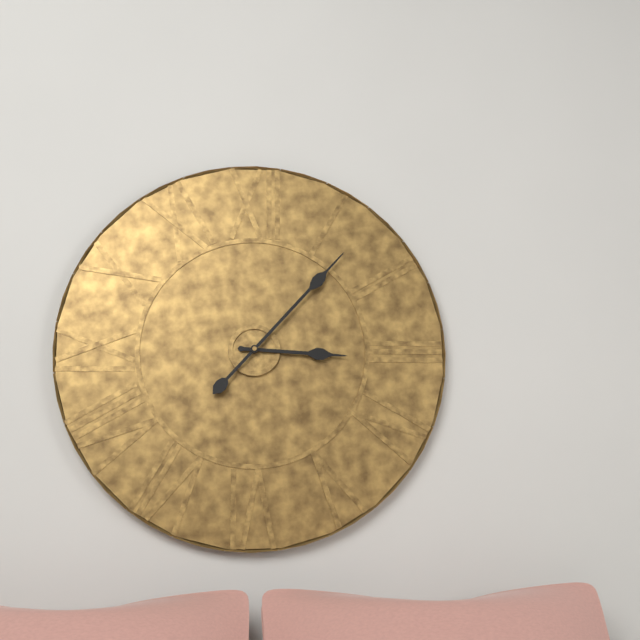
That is 3:07
